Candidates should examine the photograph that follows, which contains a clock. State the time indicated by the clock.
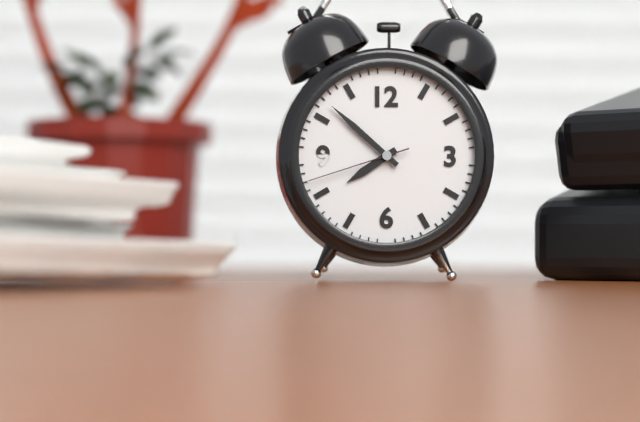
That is 7:52:42
